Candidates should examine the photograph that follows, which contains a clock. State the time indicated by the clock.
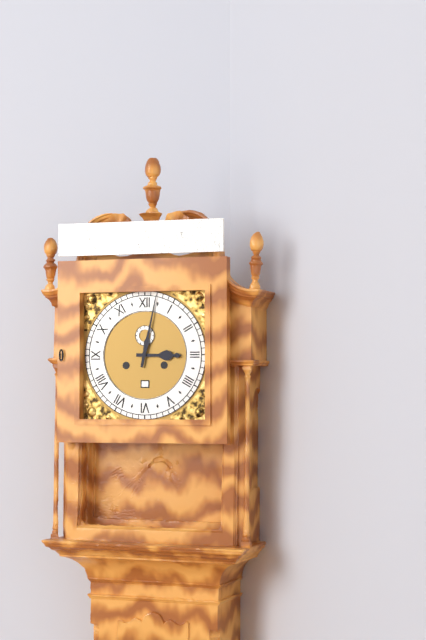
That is 3:02
